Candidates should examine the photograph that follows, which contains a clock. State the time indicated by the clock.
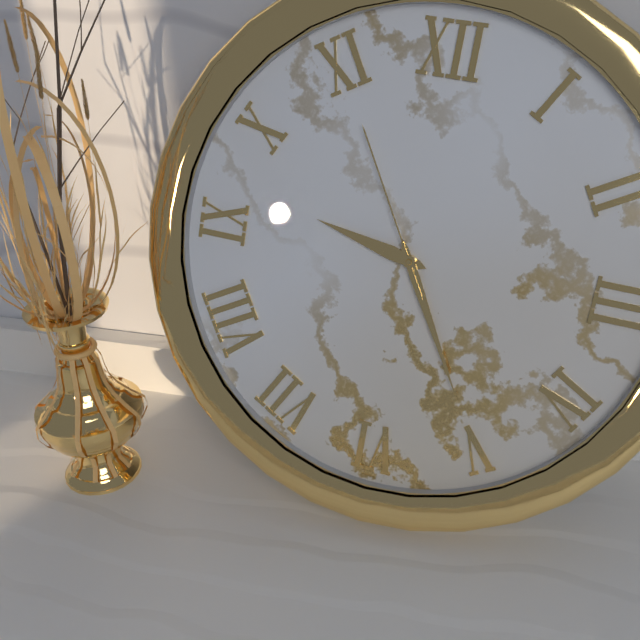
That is 9:25:55
